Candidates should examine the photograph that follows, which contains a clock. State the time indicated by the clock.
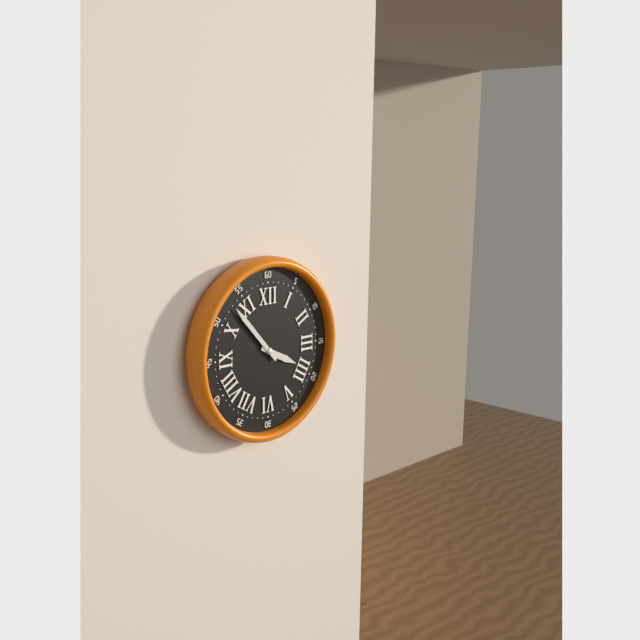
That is 3:53
